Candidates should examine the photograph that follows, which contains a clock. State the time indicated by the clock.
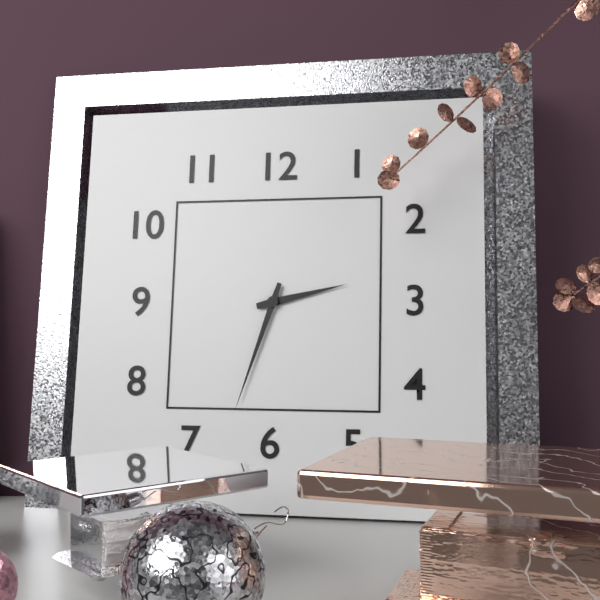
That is 2:33
